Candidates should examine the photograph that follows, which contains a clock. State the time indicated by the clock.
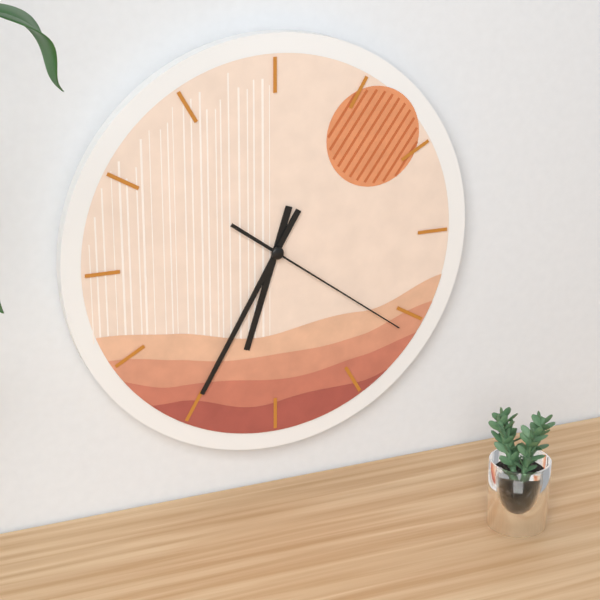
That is 6:35:21
